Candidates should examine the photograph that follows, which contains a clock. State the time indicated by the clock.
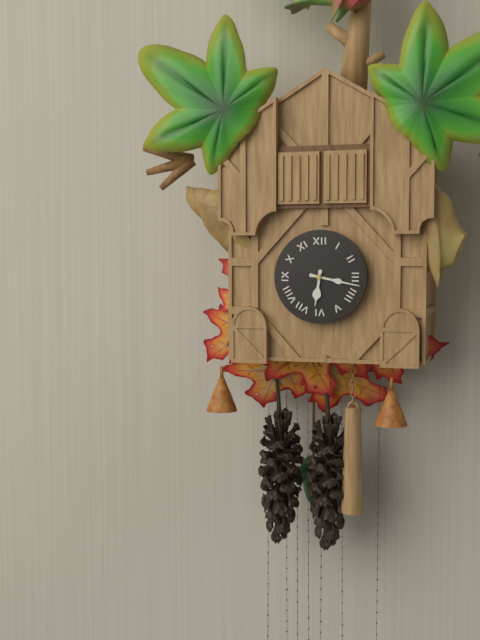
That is 6:17
